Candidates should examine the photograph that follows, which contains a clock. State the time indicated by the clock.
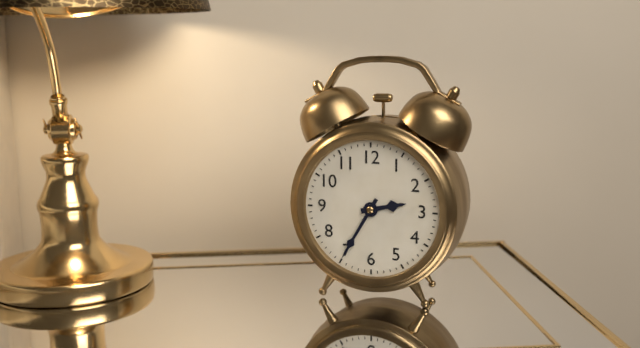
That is 2:35
